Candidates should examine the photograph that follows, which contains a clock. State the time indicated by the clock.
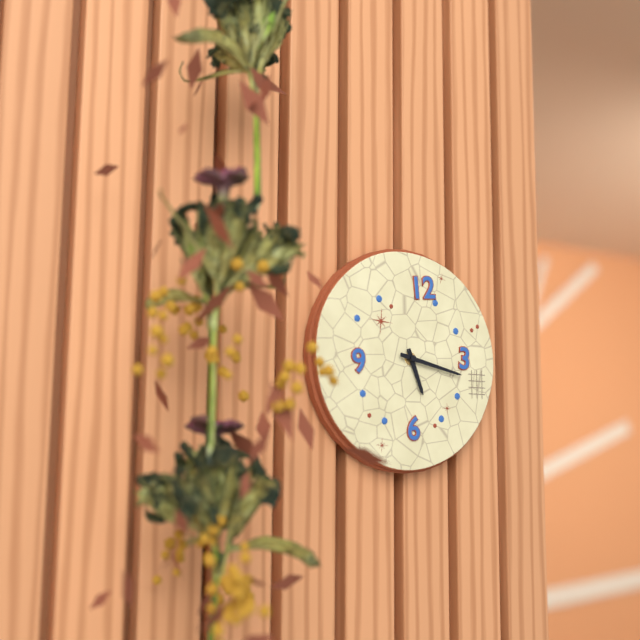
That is 5:17
